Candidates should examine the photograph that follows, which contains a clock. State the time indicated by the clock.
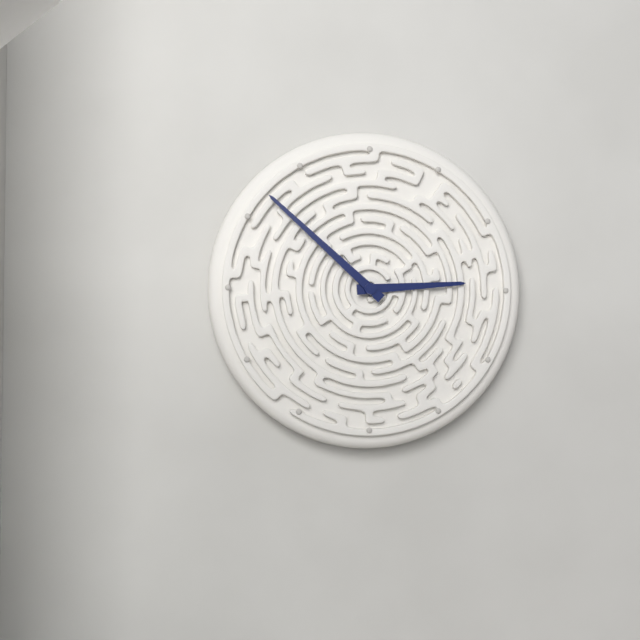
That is 2:52
